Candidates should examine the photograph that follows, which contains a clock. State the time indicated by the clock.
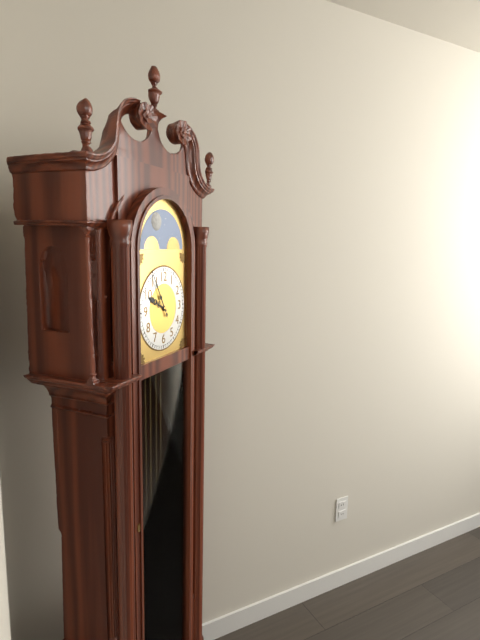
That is 9:55
